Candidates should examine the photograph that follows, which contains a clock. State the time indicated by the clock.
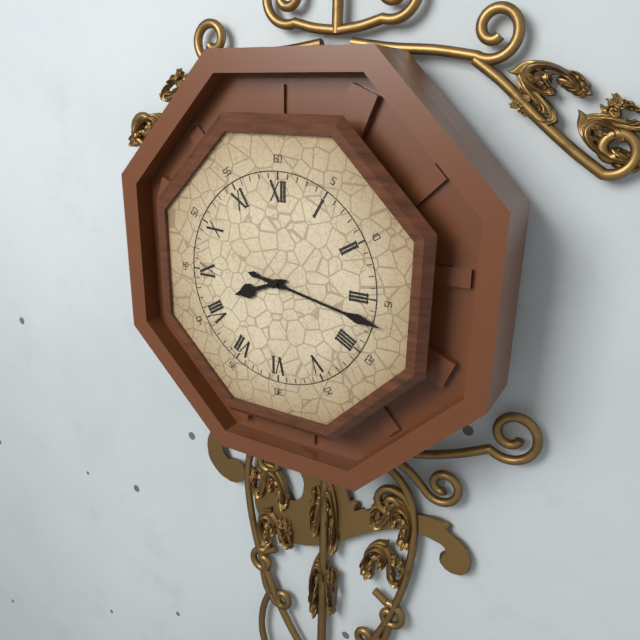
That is 8:17
